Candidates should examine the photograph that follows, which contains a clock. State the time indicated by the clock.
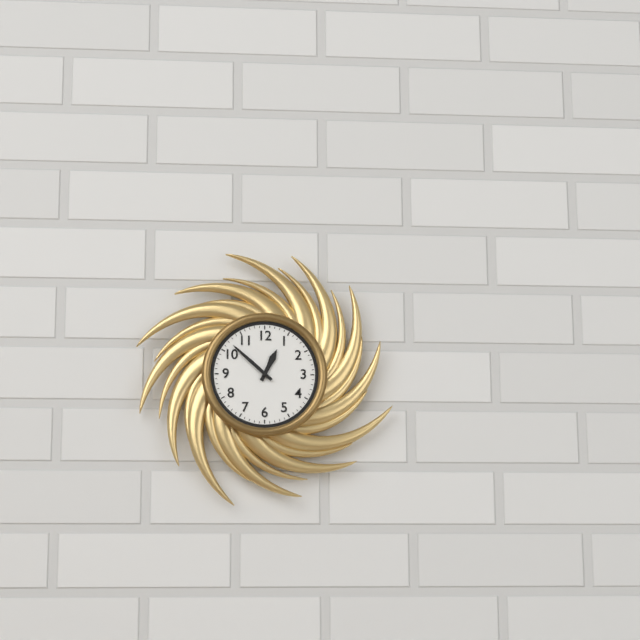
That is 12:52
